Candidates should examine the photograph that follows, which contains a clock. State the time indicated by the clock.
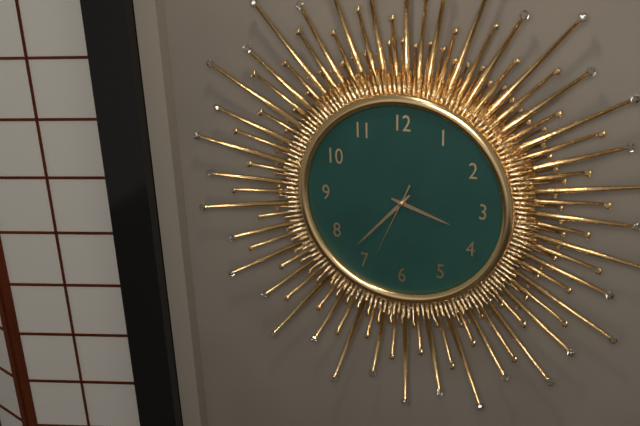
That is 3:37:34
